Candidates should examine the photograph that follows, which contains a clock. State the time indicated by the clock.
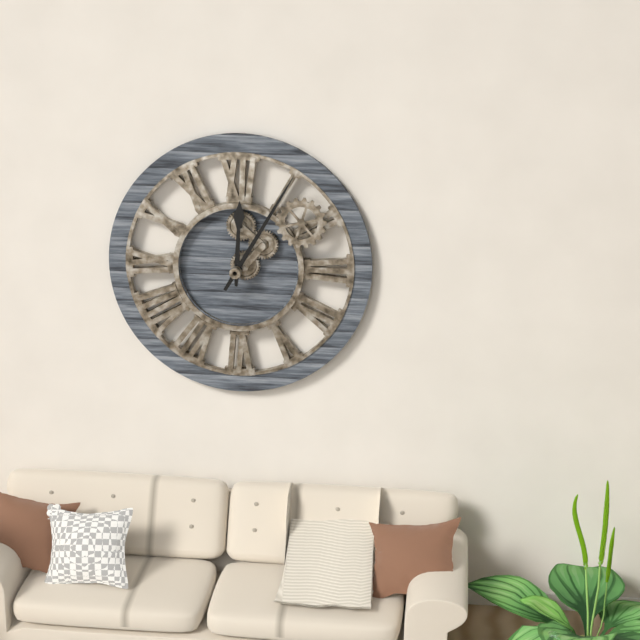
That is 12:05
